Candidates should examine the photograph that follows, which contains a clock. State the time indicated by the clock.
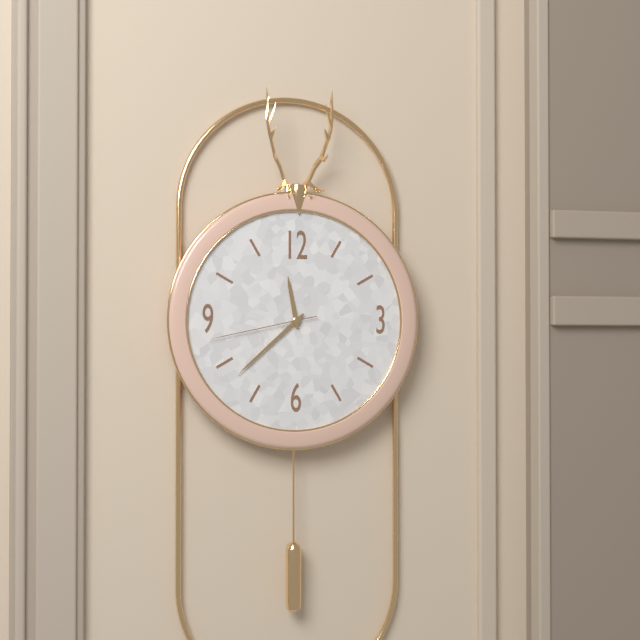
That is 11:38:43
